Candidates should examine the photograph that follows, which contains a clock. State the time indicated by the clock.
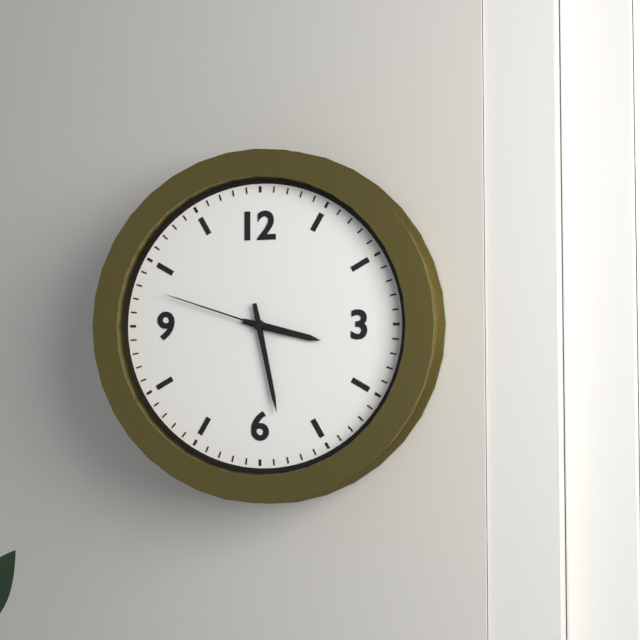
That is 3:28:48
